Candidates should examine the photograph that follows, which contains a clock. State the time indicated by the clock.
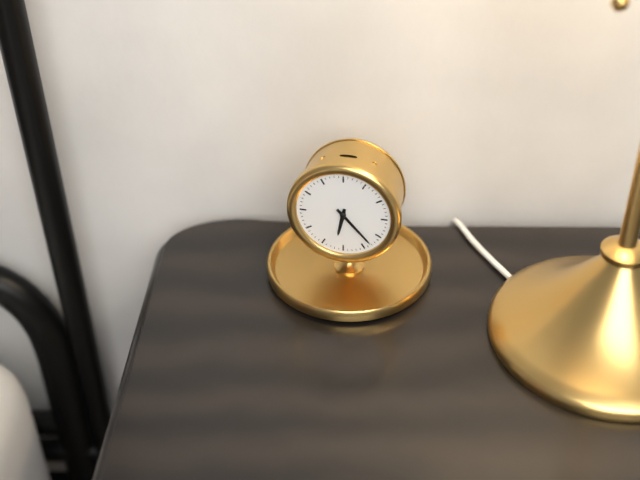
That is 6:23
